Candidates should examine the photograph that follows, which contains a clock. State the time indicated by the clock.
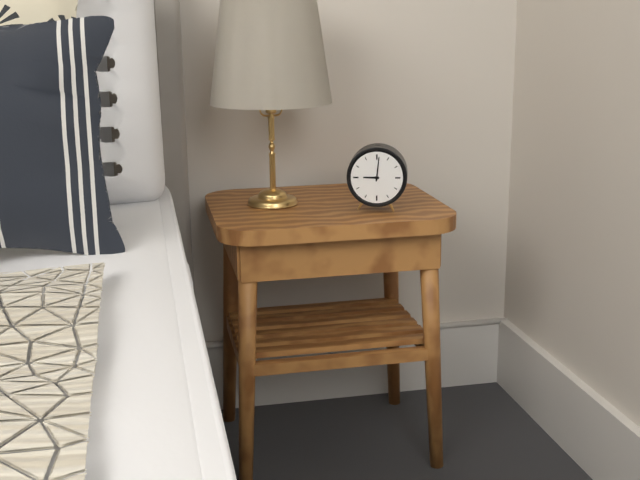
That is 9:01
